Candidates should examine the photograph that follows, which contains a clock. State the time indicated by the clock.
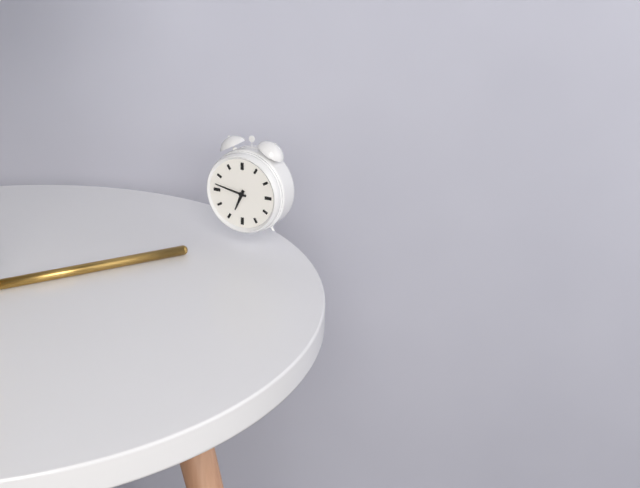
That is 6:47
